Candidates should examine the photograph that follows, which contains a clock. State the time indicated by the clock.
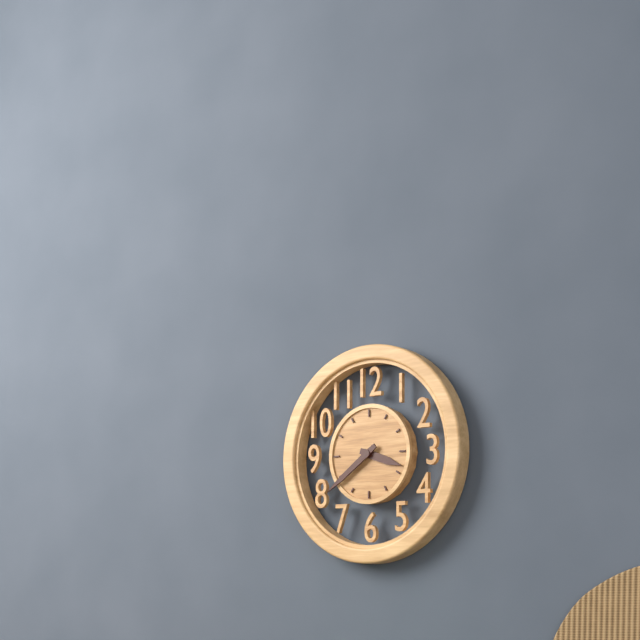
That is 3:39
